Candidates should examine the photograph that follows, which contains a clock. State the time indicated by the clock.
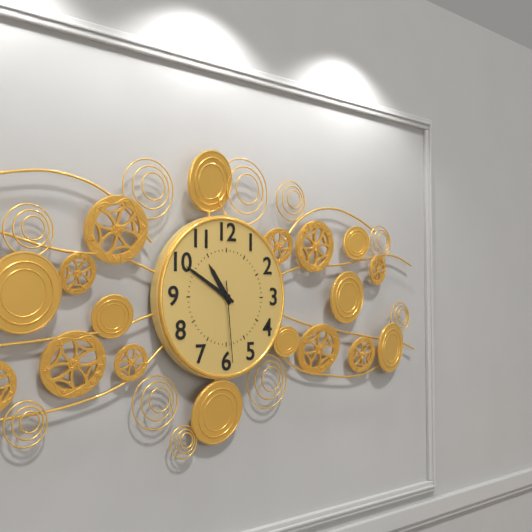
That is 10:50:29
